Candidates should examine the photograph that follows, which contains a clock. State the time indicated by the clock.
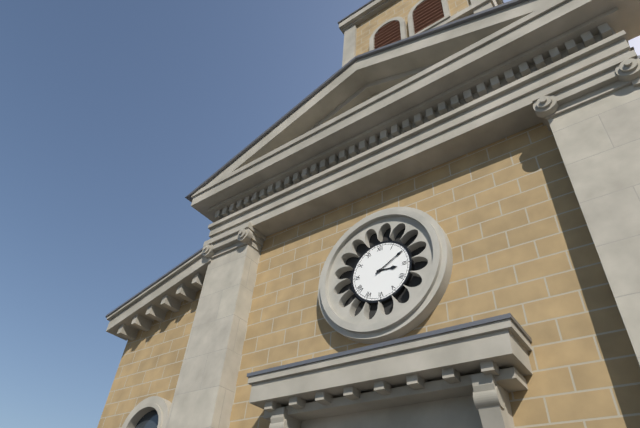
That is 3:10
